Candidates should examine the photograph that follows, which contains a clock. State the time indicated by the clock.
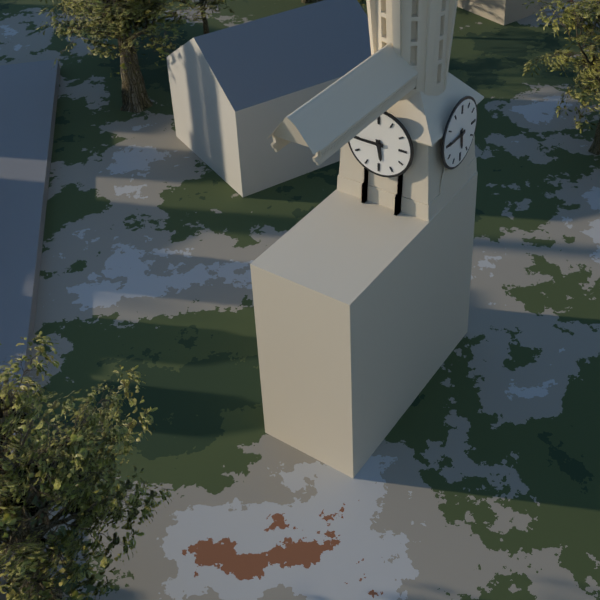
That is 5:45
